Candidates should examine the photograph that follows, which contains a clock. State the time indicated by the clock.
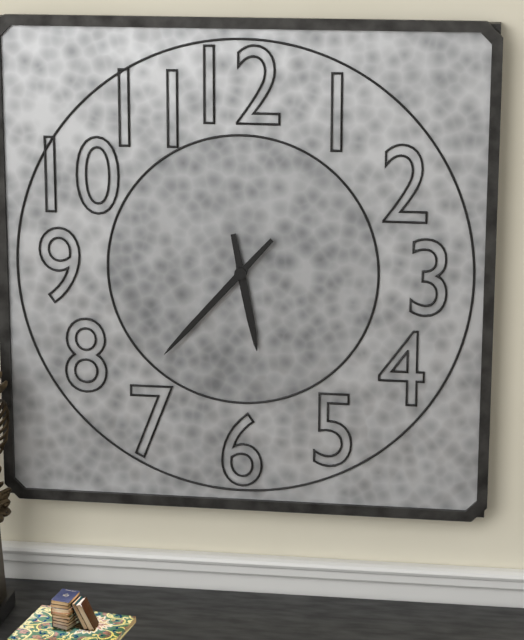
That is 5:37
